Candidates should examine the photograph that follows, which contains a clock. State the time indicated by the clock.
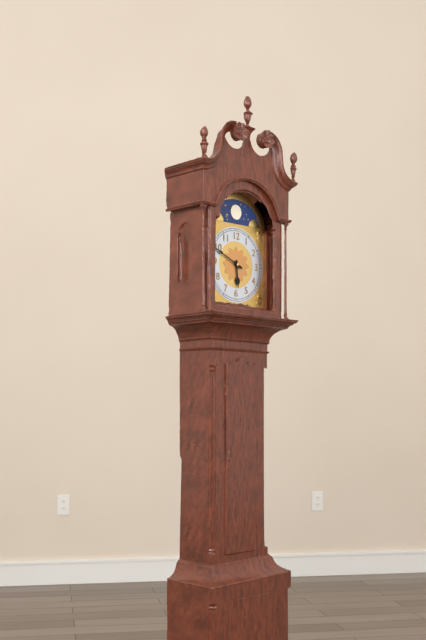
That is 5:49
